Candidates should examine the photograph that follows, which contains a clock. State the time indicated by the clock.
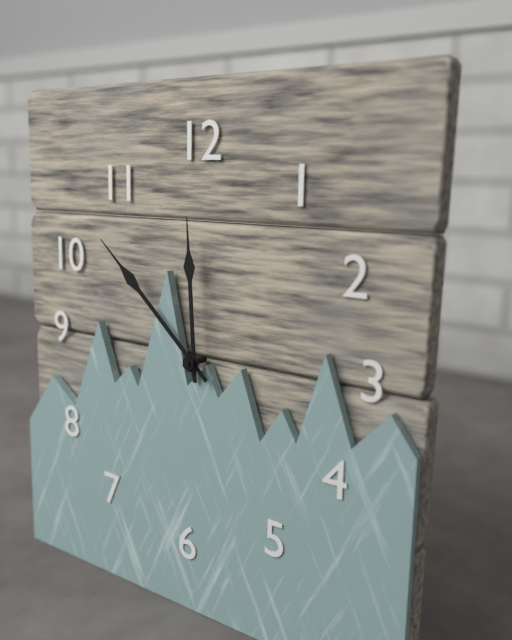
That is 11:52
